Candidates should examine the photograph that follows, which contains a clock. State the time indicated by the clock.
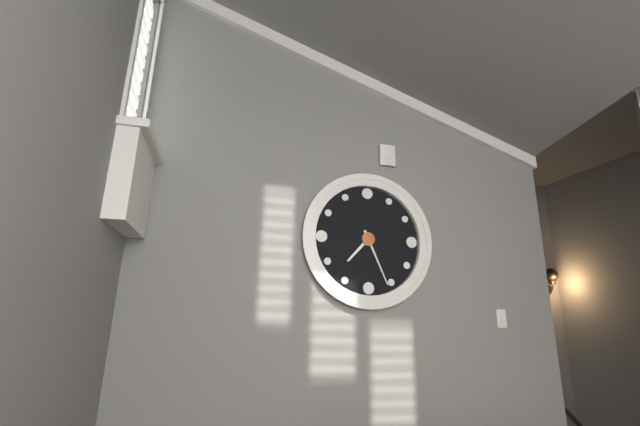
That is 7:26
